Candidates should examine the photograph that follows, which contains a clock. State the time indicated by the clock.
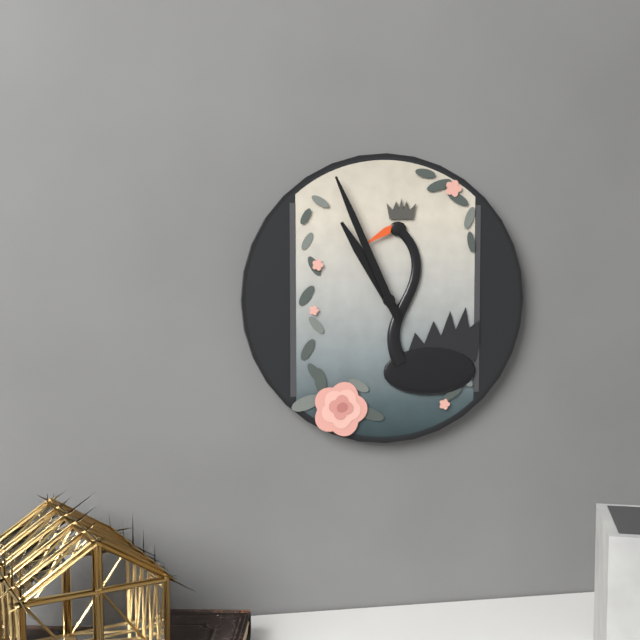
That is 10:56
